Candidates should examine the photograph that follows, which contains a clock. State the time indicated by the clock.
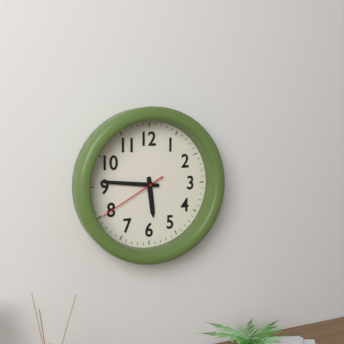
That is 5:46:40
